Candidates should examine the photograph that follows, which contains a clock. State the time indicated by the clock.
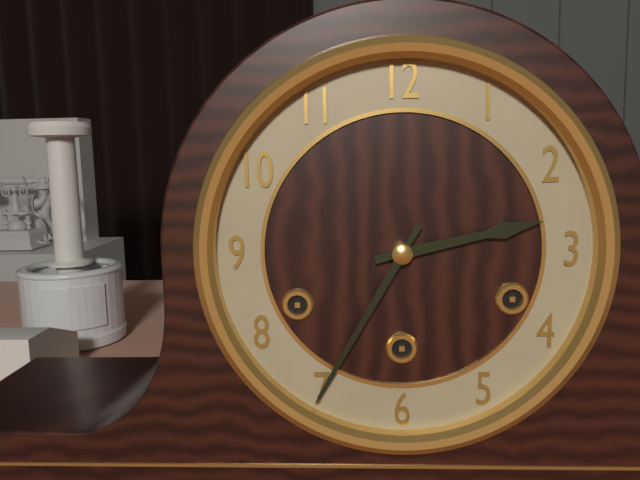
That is 2:35
